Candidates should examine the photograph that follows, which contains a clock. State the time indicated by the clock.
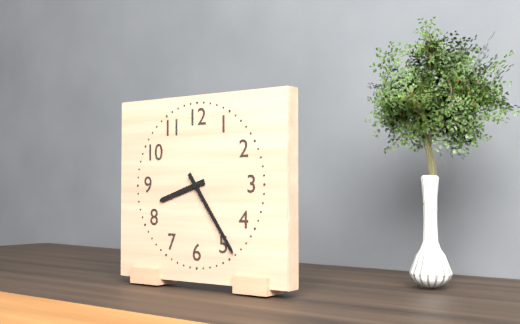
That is 8:24
